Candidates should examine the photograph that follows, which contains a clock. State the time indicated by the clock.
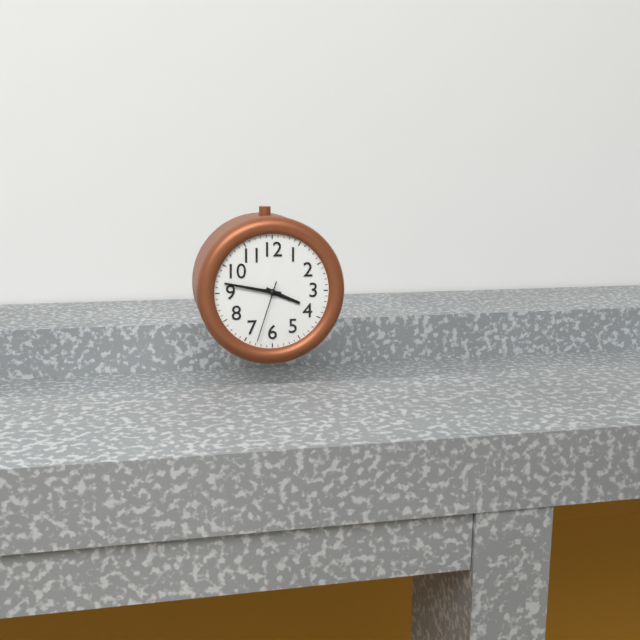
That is 3:47:33
